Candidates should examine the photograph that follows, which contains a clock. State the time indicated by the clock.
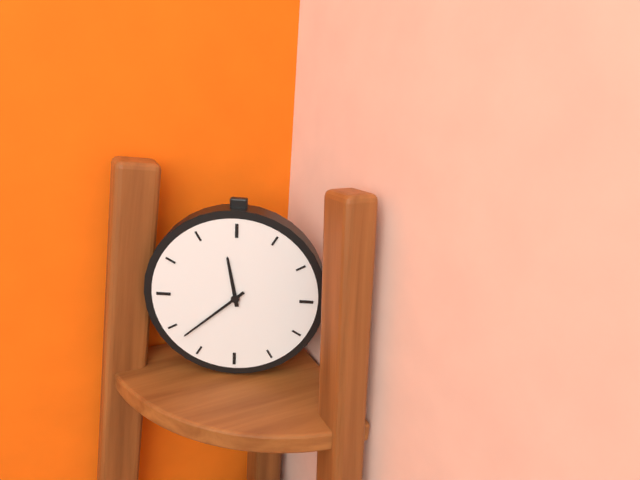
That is 11:38
